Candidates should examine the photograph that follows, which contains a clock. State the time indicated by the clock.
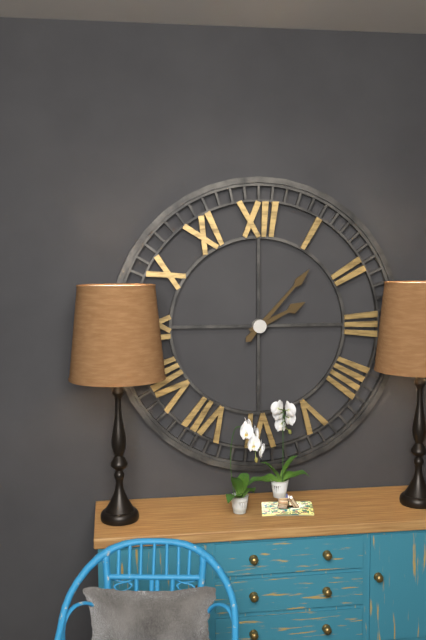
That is 2:07
